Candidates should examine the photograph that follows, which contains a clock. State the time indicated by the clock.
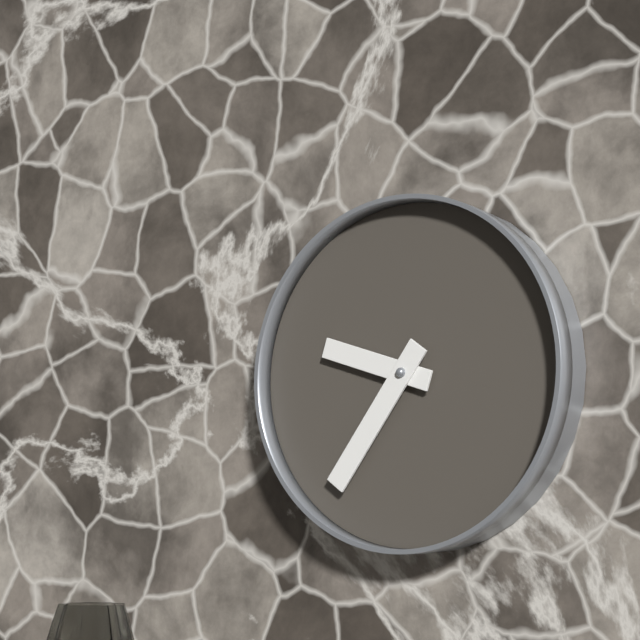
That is 9:36
